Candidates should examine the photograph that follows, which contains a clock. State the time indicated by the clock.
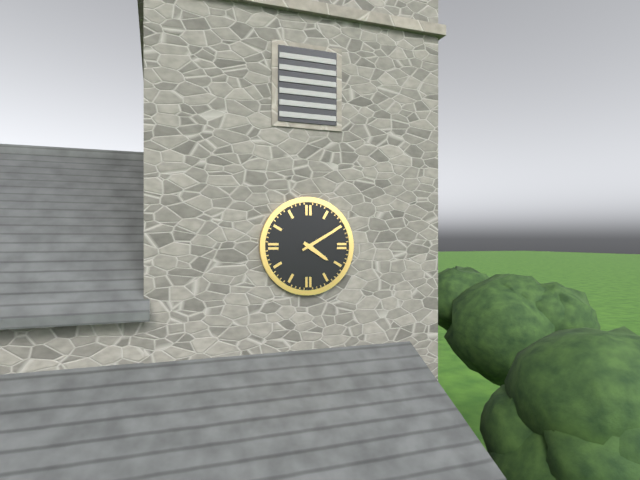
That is 4:10
